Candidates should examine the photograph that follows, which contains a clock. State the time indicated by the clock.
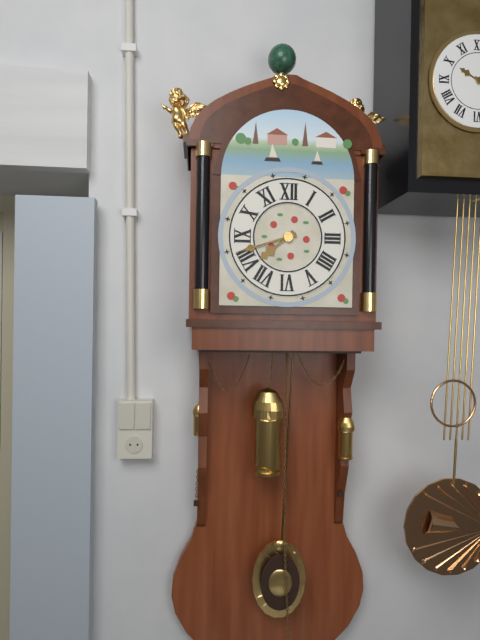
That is 7:42
